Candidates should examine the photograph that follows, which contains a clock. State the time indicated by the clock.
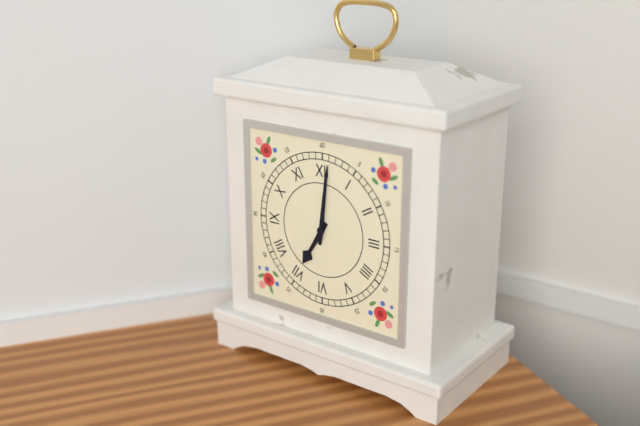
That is 7:01
